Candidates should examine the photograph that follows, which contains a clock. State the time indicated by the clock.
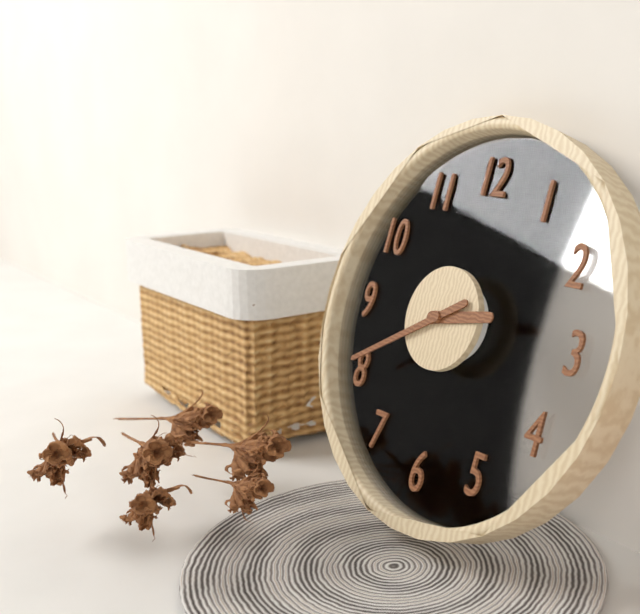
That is 2:40
